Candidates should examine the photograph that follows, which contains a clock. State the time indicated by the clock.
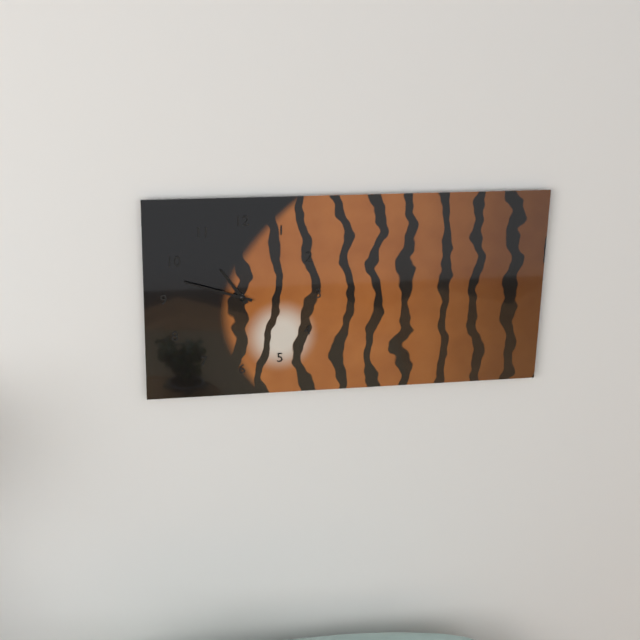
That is 10:48
